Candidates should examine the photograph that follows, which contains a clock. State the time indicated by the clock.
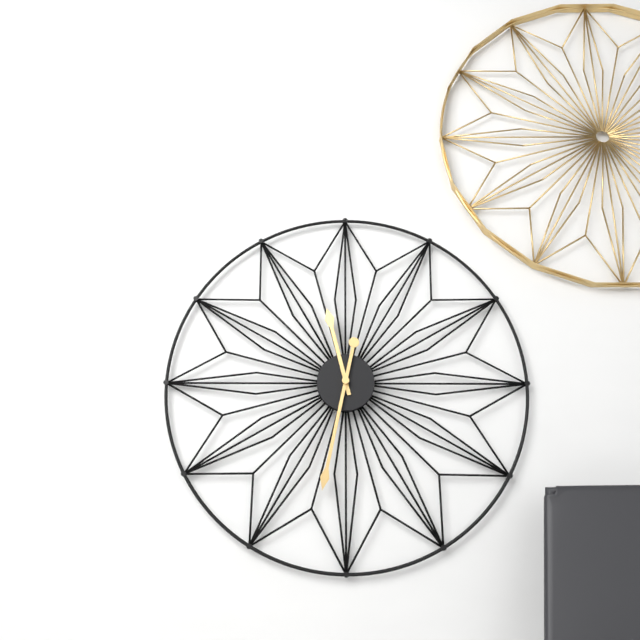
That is 11:32
